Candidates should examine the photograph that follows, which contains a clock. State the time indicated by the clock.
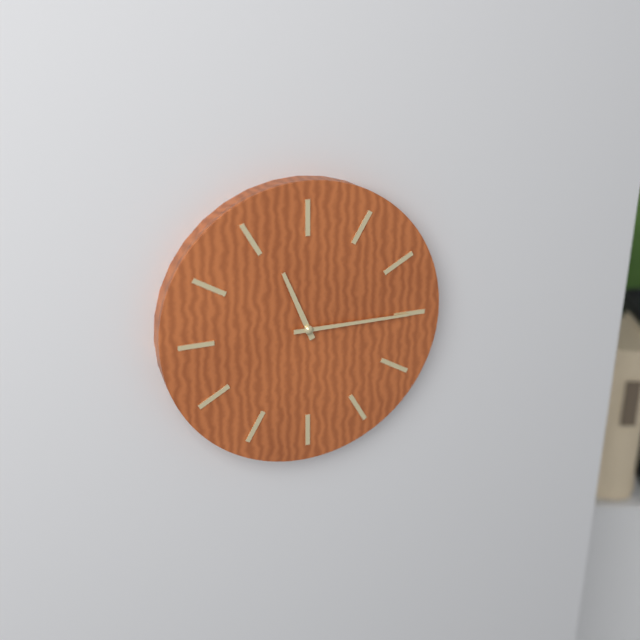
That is 11:15
